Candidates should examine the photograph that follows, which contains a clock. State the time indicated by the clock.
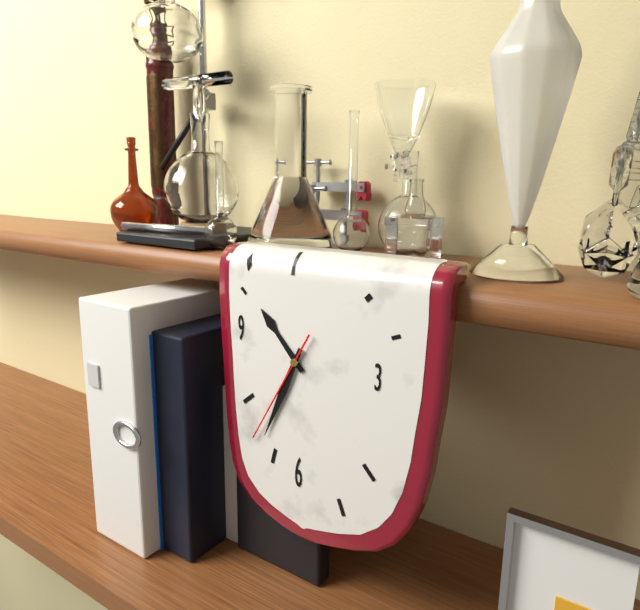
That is 10:34:35
